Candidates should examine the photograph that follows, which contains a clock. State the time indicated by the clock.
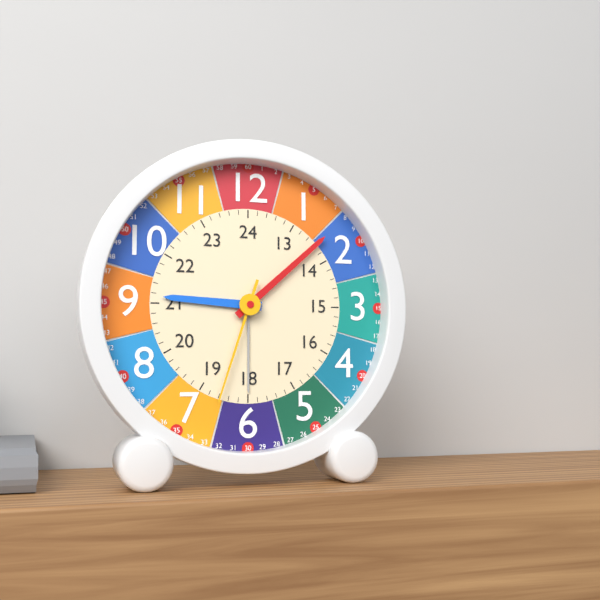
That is 9:08:33
